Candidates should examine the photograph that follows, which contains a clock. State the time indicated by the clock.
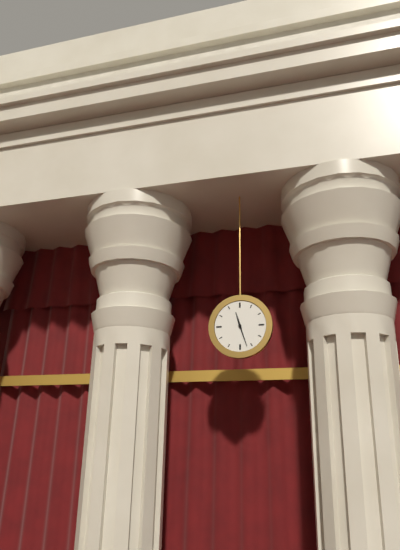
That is 11:27
